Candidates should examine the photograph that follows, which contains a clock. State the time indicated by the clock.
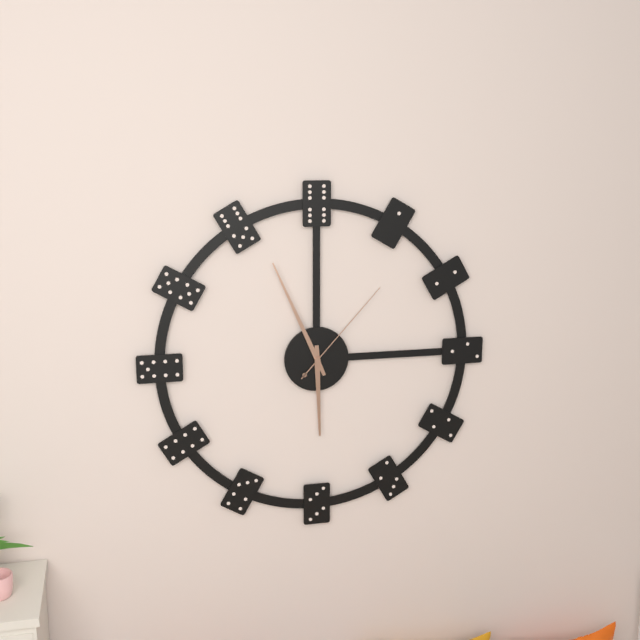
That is 5:56:07
